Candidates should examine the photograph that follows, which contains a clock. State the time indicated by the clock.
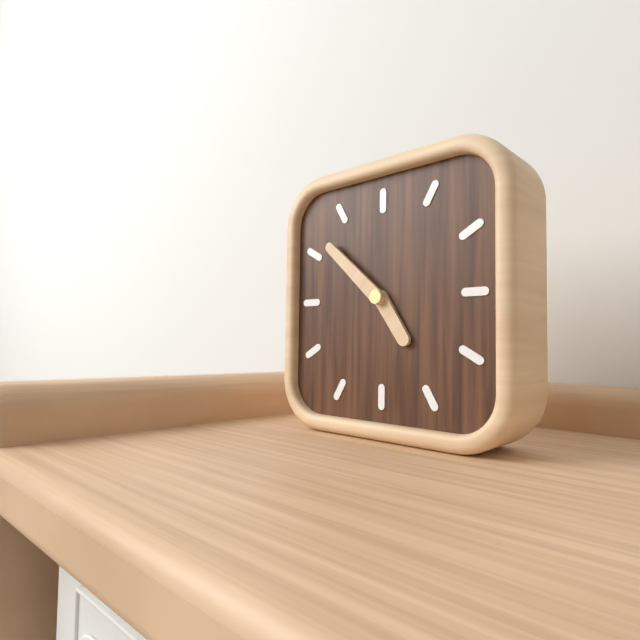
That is 4:52
